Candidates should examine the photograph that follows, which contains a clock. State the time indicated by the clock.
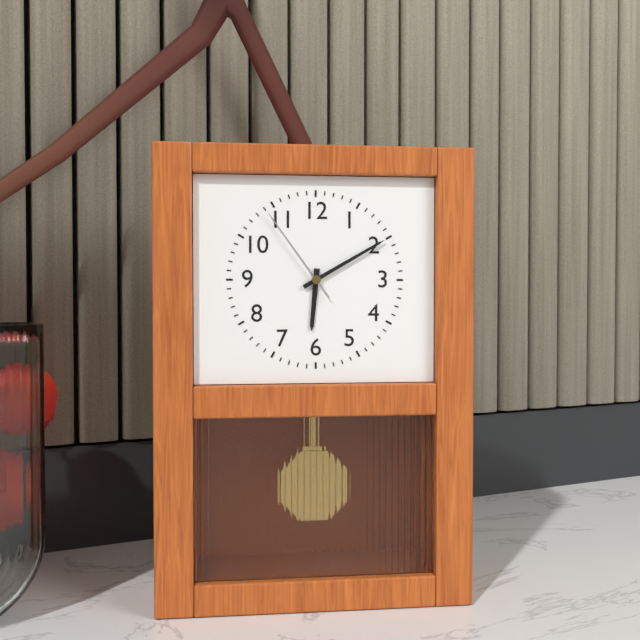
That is 6:10:54
